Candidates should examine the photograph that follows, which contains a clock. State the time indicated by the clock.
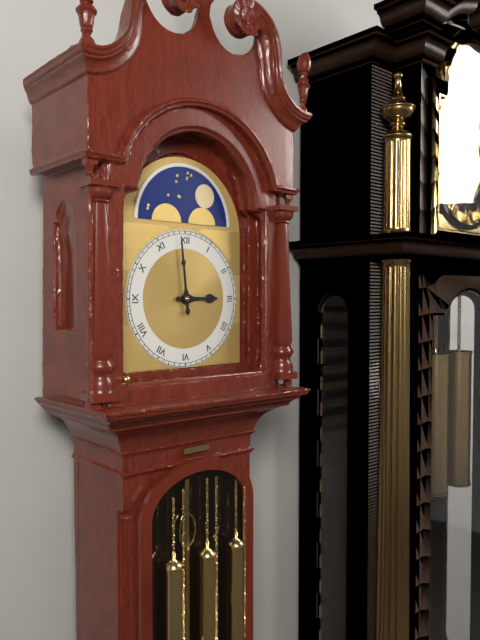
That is 2:59
